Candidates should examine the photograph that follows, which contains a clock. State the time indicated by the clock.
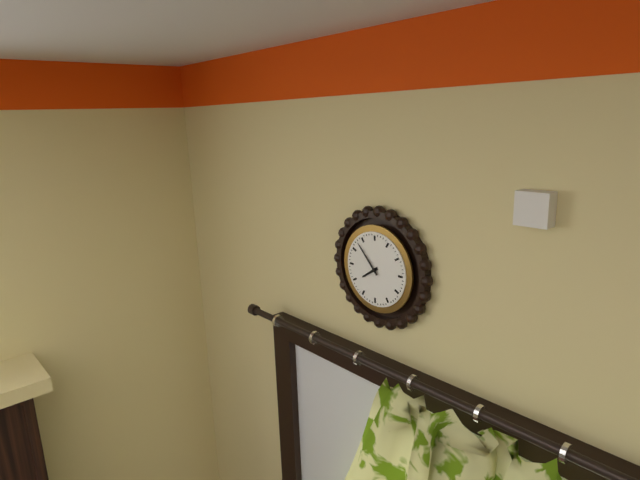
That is 7:53
